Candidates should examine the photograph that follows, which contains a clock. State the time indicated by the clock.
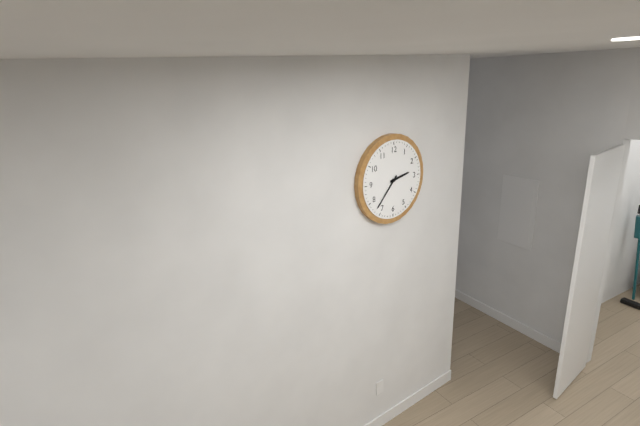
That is 2:37
